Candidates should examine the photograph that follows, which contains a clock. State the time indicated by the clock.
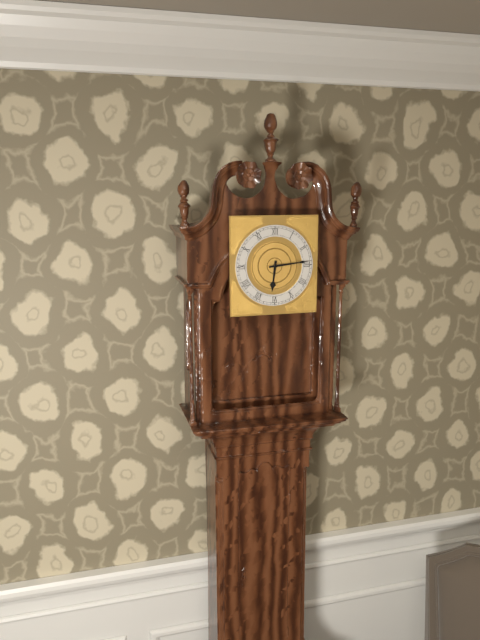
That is 6:14
